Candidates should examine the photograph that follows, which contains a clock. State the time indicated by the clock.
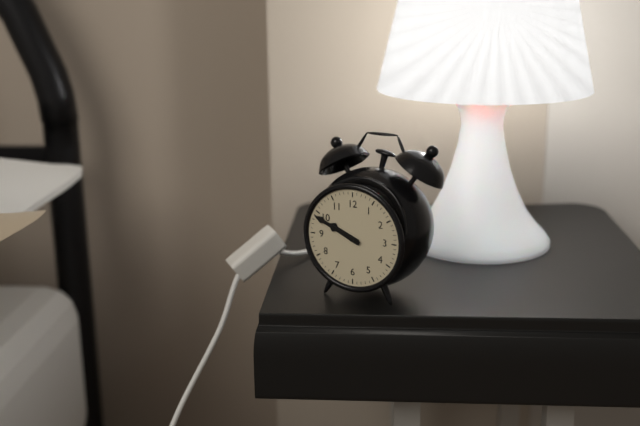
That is 9:49
